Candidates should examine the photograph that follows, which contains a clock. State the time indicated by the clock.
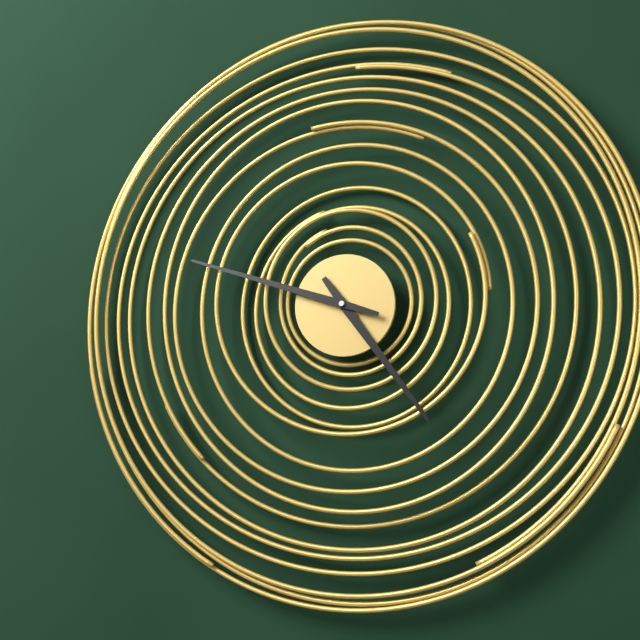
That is 4:48
